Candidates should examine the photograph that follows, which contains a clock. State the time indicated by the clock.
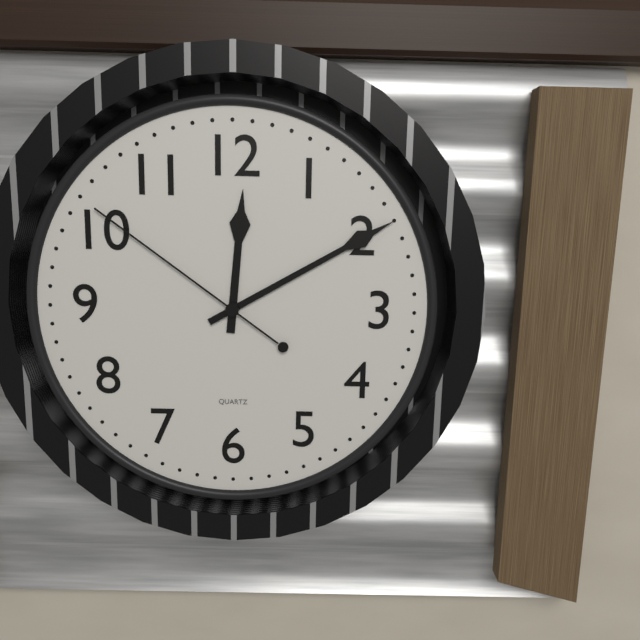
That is 12:10:51
